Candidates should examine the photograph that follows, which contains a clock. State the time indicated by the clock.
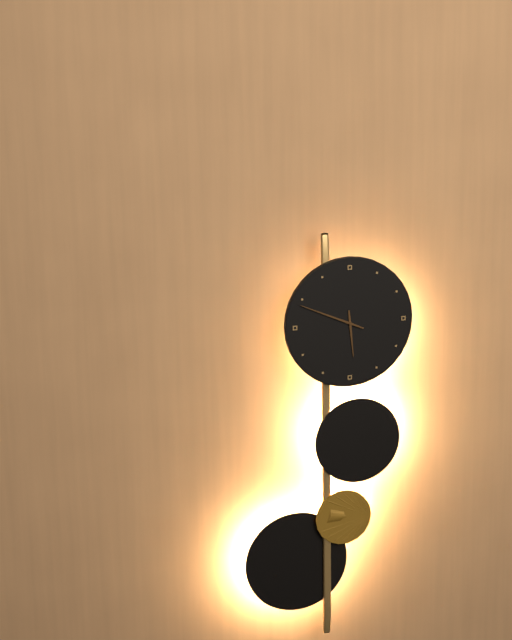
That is 5:49
